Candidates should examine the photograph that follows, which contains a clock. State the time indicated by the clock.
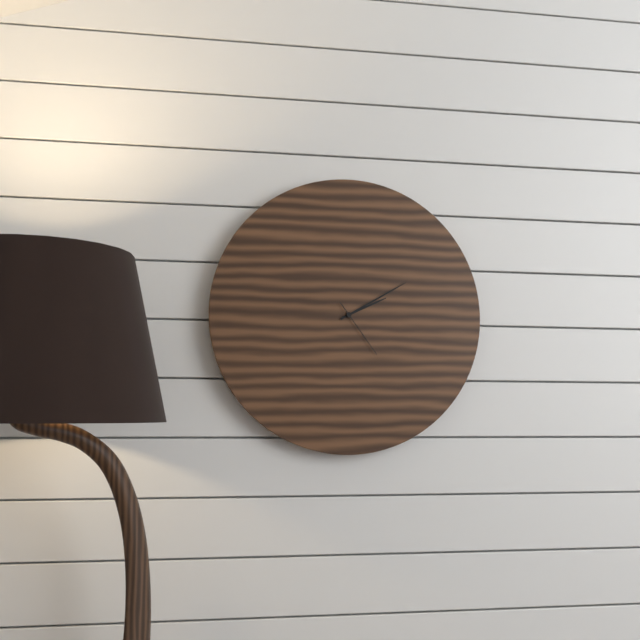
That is 2:10:24
